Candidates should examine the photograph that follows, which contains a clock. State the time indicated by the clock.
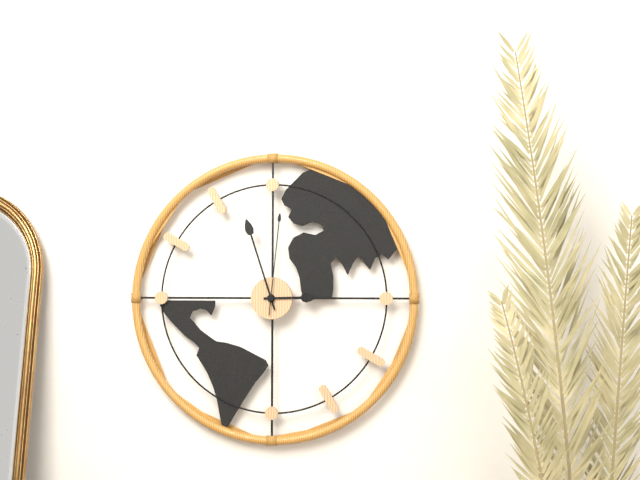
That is 2:57:01
